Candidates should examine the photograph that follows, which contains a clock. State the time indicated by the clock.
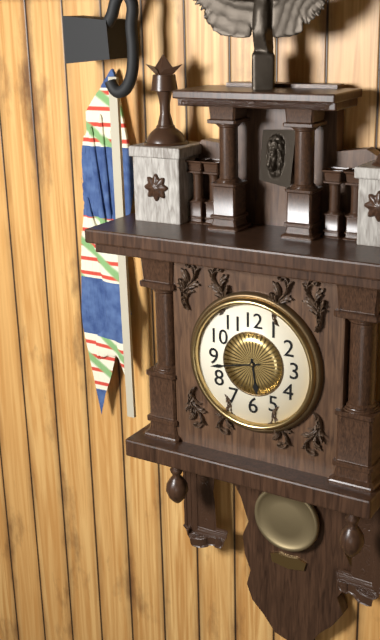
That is 5:43
